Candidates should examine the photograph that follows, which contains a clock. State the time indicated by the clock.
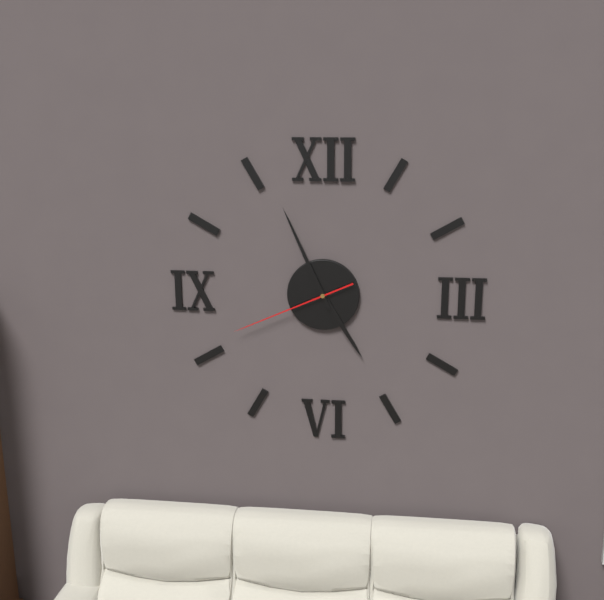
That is 4:56:41
